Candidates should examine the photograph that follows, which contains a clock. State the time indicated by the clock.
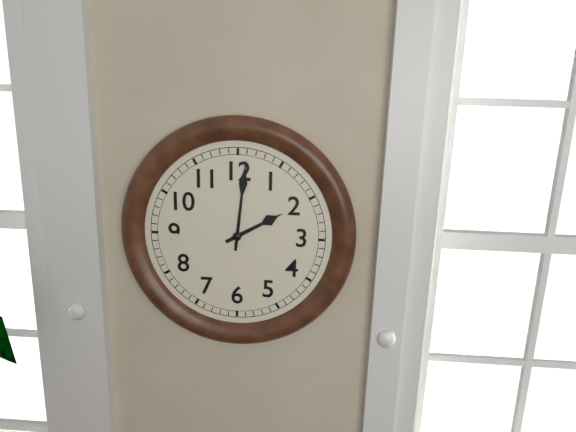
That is 2:01
